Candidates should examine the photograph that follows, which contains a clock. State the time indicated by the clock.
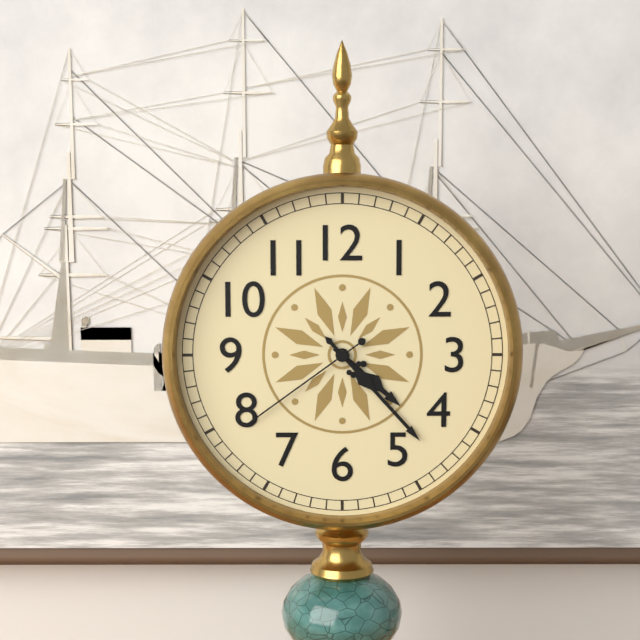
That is 4:23:39
